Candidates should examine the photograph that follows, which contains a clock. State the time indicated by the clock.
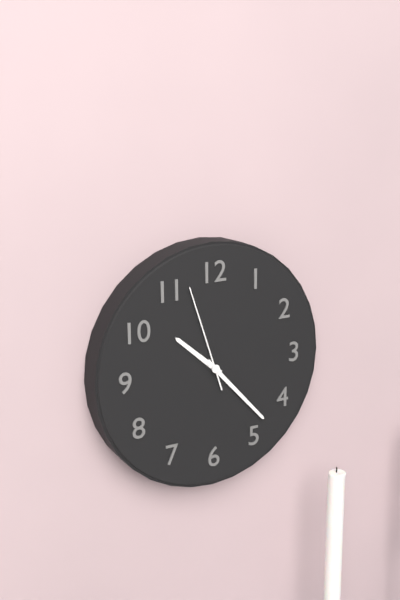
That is 10:23:57
